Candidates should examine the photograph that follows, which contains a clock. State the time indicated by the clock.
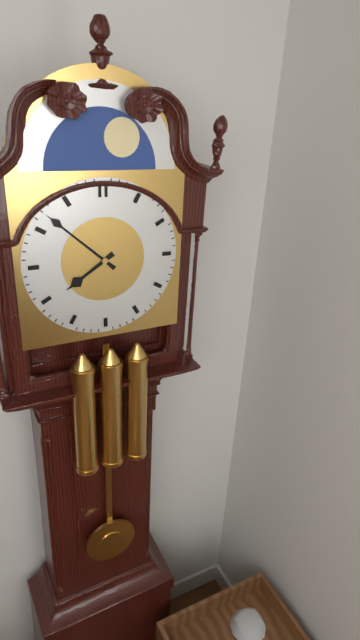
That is 7:52
